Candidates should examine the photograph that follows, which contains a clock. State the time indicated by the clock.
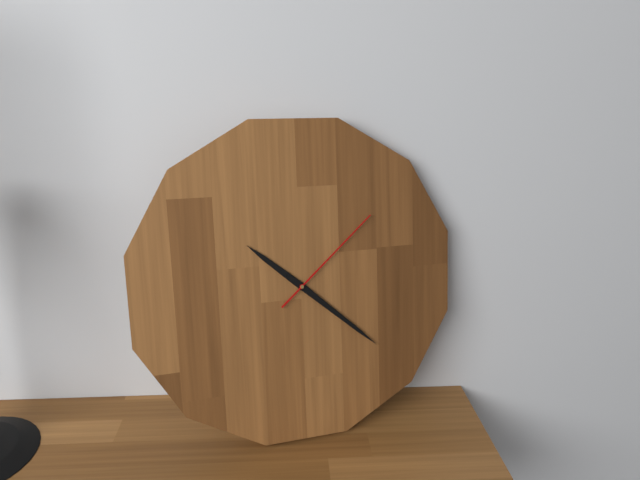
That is 10:22:08
